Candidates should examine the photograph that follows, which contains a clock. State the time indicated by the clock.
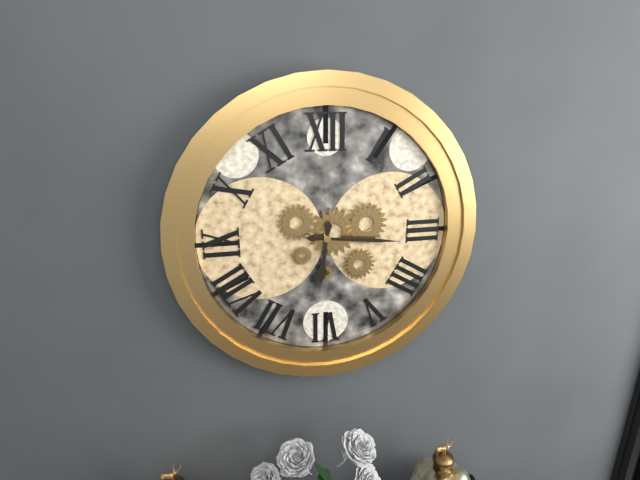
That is 6:16
